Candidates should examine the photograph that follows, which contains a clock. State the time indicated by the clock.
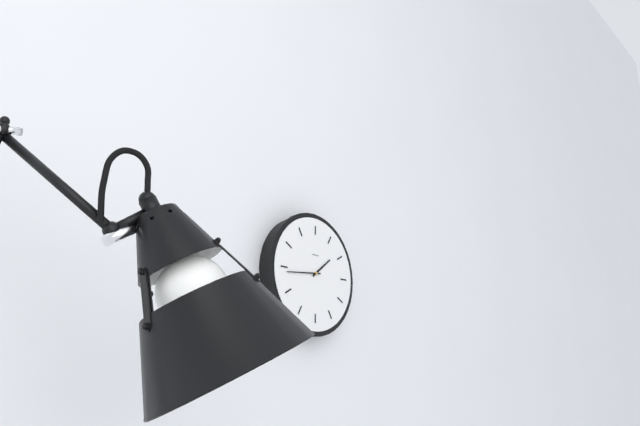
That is 1:44
